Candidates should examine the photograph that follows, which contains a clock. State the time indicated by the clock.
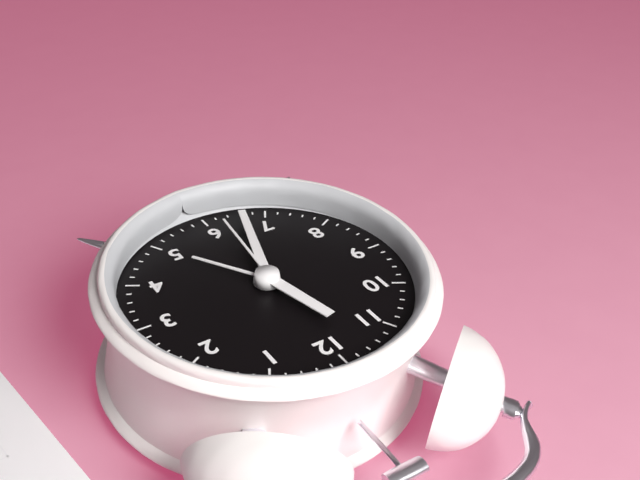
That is 11:33:31
